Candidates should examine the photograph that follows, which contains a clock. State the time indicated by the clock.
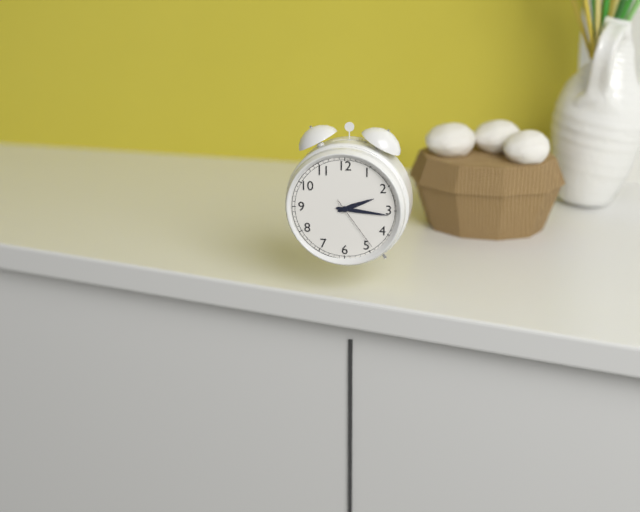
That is 2:16:24
